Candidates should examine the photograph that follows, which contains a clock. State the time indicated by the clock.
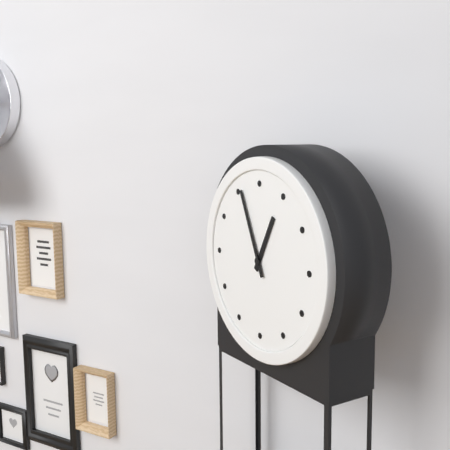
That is 12:56
